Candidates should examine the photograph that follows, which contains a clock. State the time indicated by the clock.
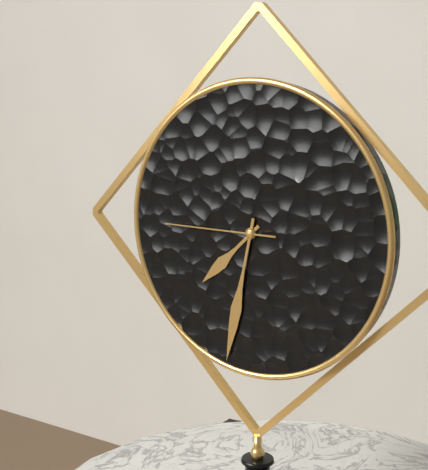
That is 7:32:45
